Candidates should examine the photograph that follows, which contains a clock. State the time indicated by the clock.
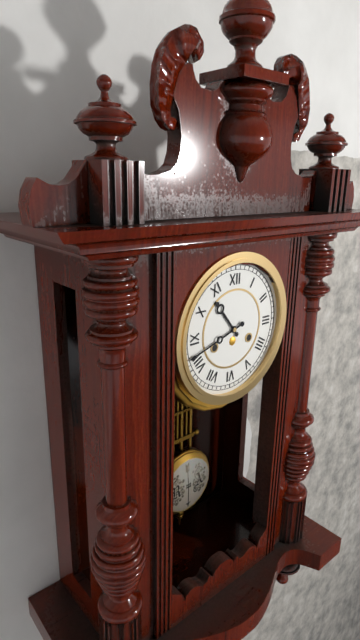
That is 10:42
